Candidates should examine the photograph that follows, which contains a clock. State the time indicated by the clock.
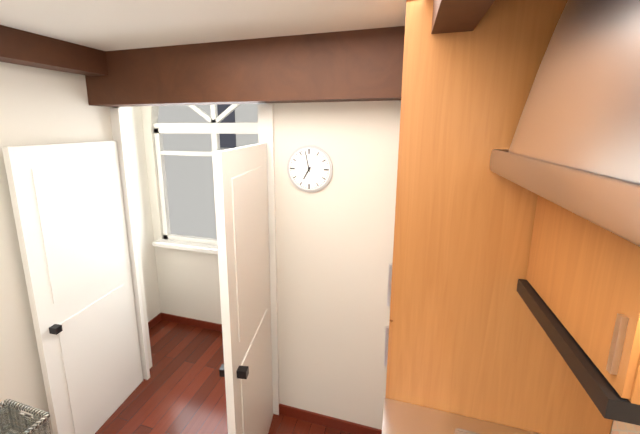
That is 6:58
